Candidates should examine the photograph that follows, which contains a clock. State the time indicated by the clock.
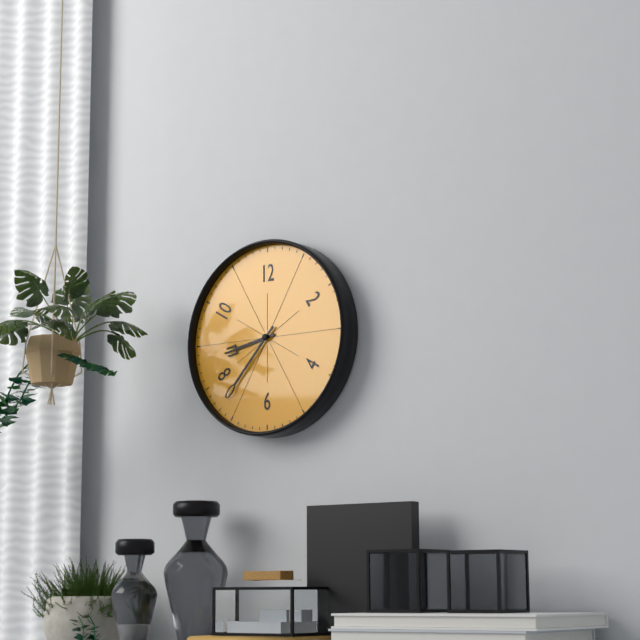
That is 8:37
